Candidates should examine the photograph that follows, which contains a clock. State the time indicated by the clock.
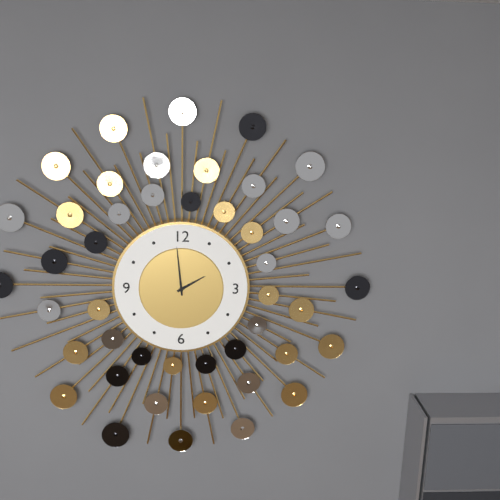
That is 1:59
